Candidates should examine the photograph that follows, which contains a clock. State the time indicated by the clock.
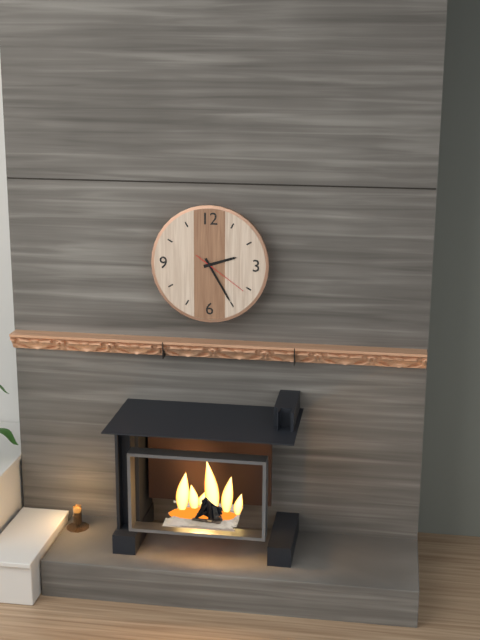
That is 2:25:21
